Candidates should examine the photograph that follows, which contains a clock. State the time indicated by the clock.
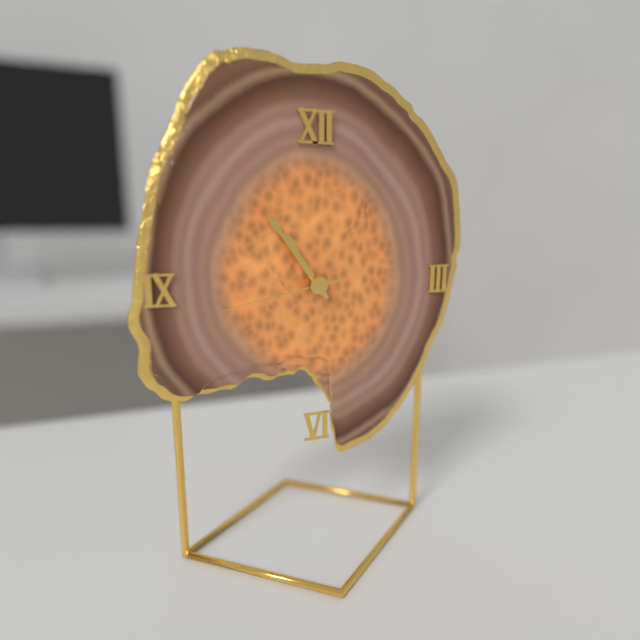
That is 10:54:43
